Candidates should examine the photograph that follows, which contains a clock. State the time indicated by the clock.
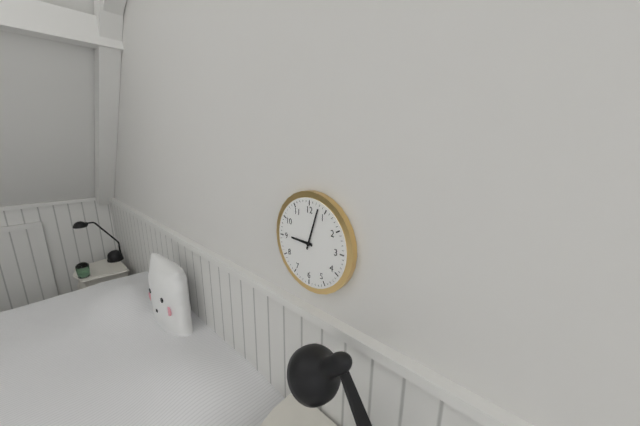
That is 9:03
